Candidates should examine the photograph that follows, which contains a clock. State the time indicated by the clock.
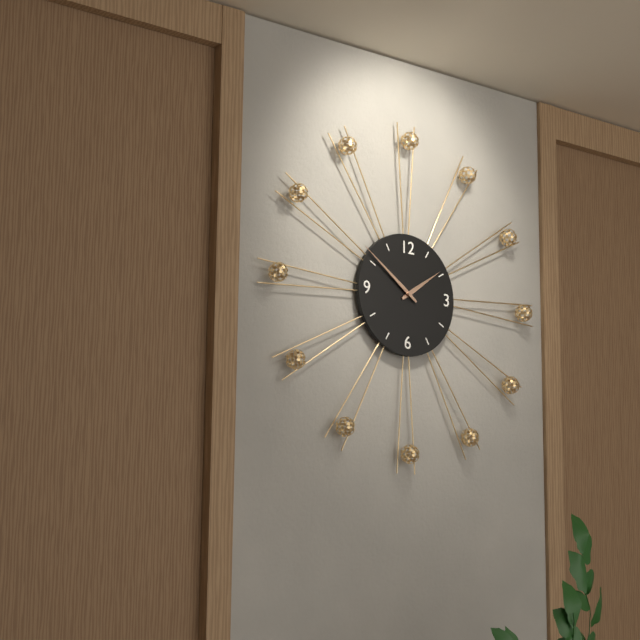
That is 1:51
